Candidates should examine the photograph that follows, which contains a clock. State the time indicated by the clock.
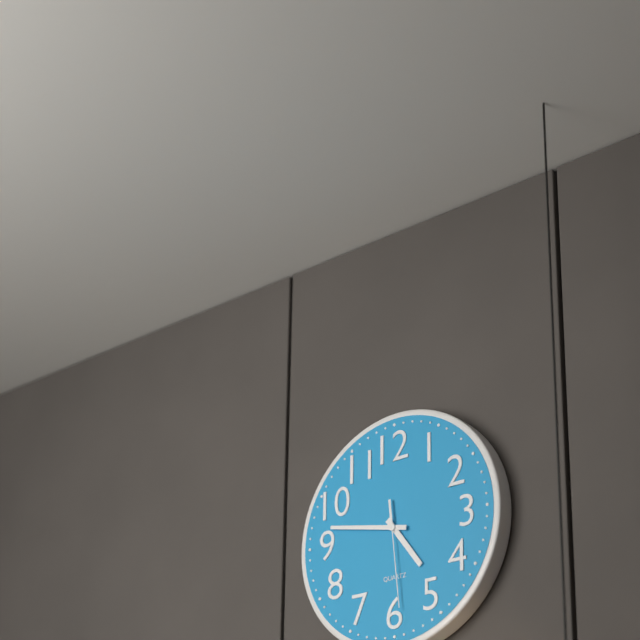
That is 4:47:29
